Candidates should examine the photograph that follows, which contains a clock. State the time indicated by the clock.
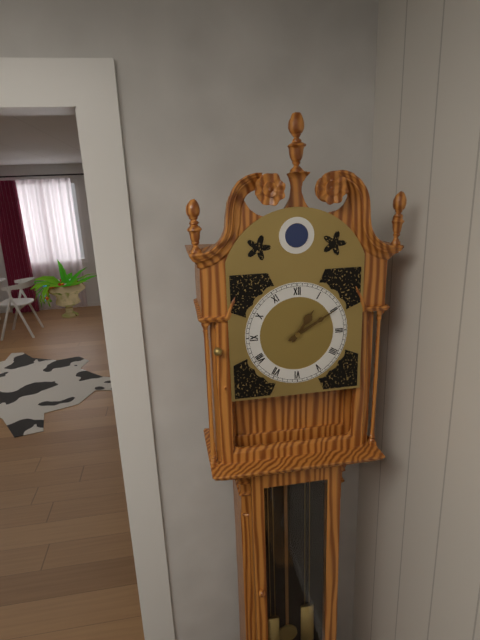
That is 1:10
